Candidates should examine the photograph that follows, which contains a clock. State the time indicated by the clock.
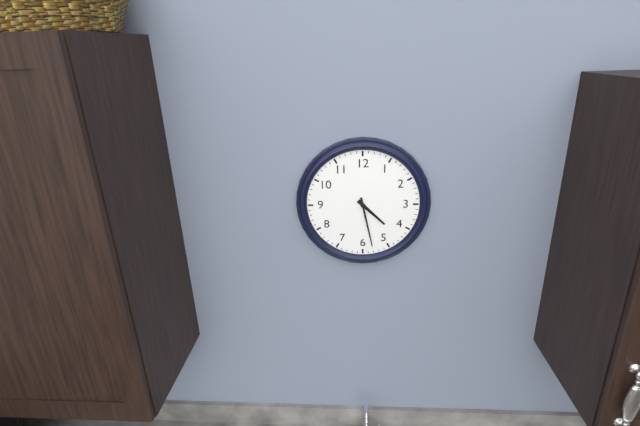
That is 4:28
